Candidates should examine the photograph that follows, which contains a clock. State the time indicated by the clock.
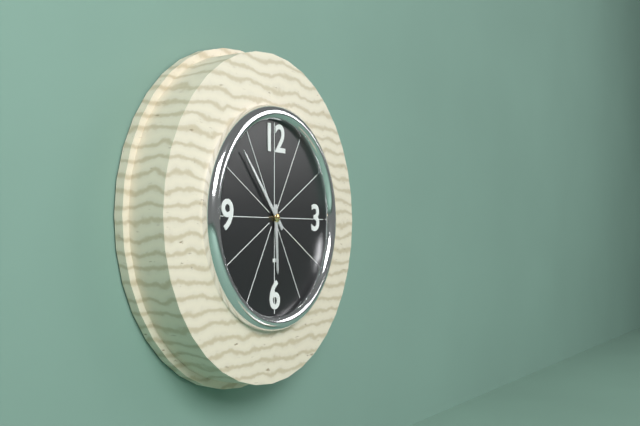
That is 5:53
